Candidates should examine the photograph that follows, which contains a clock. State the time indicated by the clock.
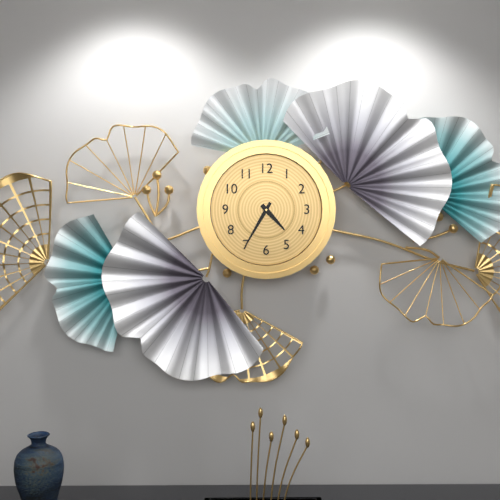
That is 4:35
